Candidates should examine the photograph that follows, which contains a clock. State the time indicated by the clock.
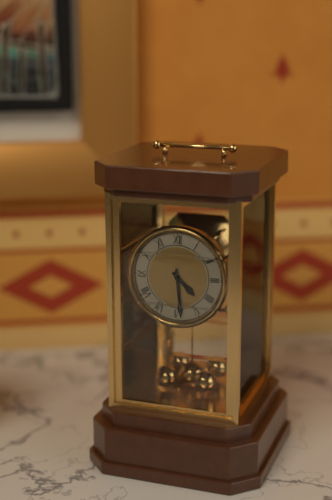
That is 4:29
